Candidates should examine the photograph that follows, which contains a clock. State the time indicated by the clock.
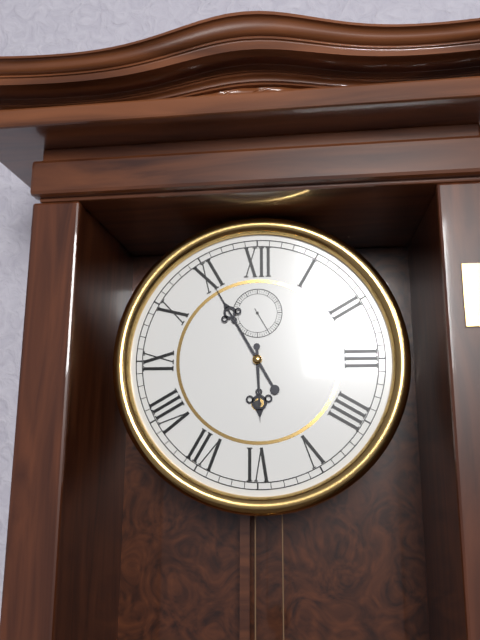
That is 5:55
